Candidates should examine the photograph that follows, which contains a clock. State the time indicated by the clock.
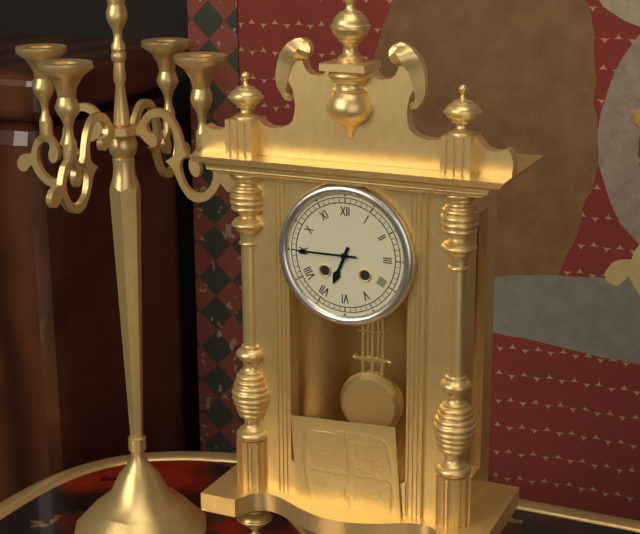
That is 6:45
